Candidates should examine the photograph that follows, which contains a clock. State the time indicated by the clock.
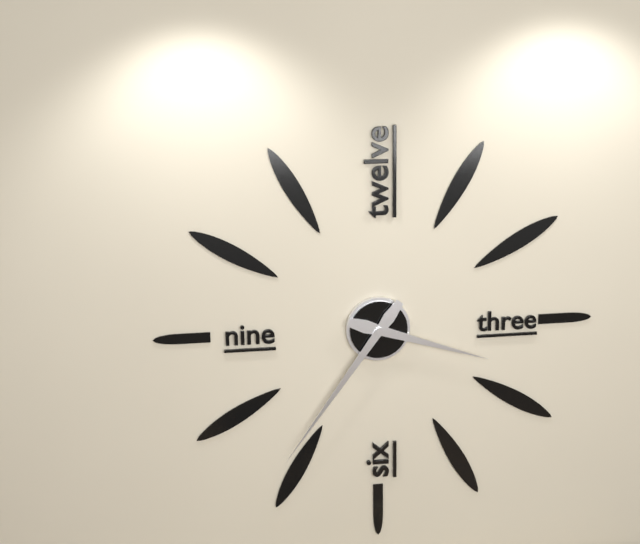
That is 3:36
